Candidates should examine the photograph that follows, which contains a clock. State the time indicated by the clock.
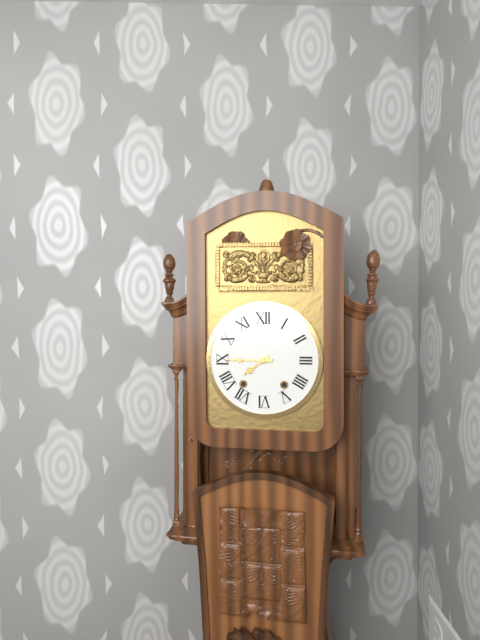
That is 7:45
